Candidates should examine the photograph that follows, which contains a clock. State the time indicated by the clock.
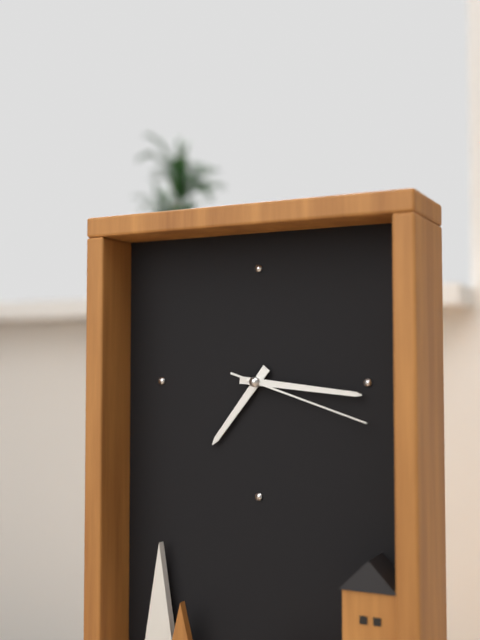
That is 7:16:18
